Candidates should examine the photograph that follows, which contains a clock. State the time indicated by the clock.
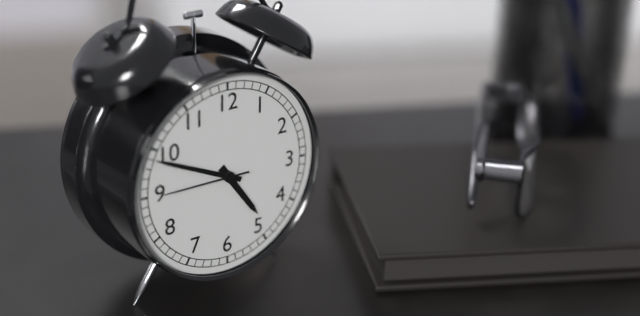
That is 4:49:45
